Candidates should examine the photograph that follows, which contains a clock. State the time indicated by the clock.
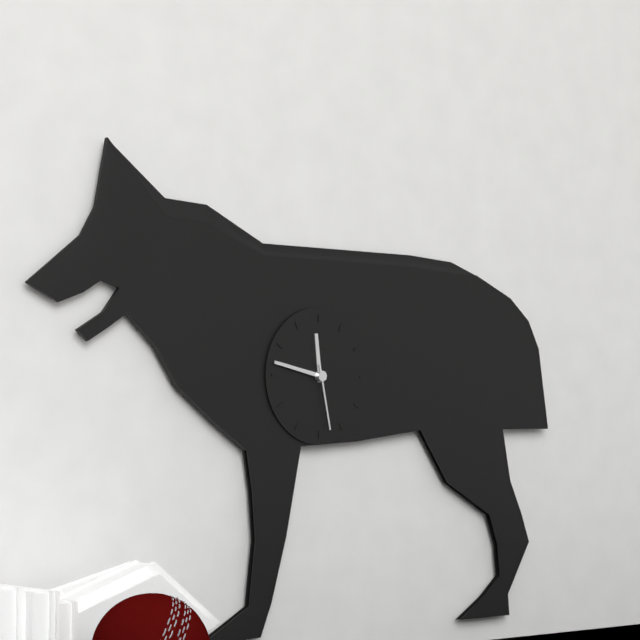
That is 11:47:28
